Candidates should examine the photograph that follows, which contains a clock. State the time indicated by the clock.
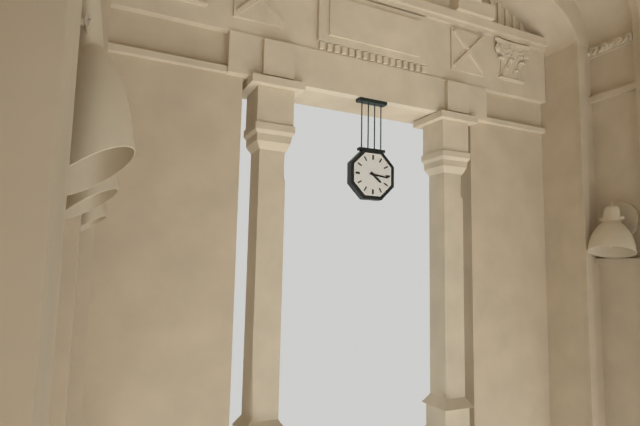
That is 4:16
